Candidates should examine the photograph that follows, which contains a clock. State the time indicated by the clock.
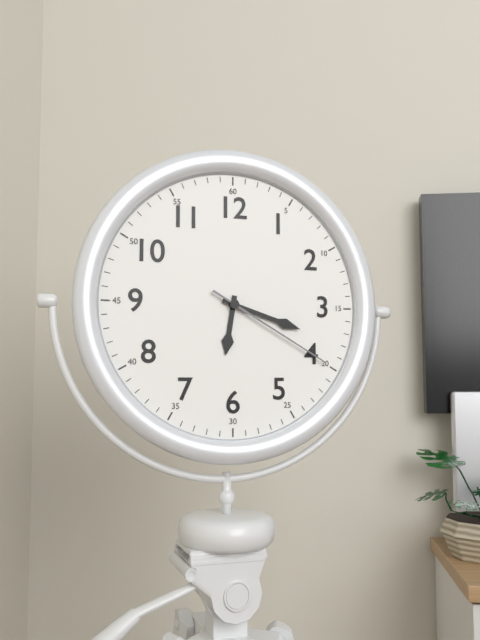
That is 6:18:20
